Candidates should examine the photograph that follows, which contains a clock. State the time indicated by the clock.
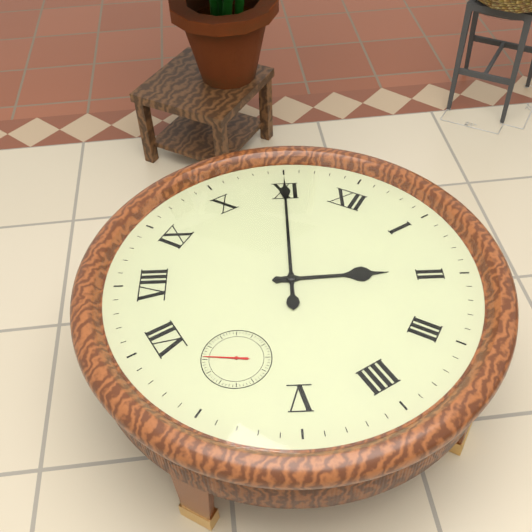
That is 1:55
